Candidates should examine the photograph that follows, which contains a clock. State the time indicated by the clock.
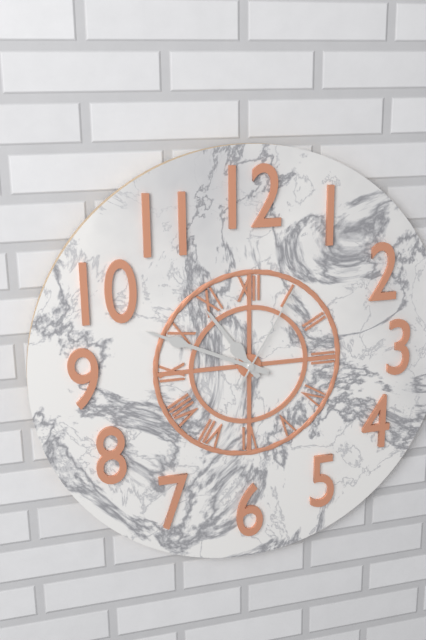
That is 10:49:05
